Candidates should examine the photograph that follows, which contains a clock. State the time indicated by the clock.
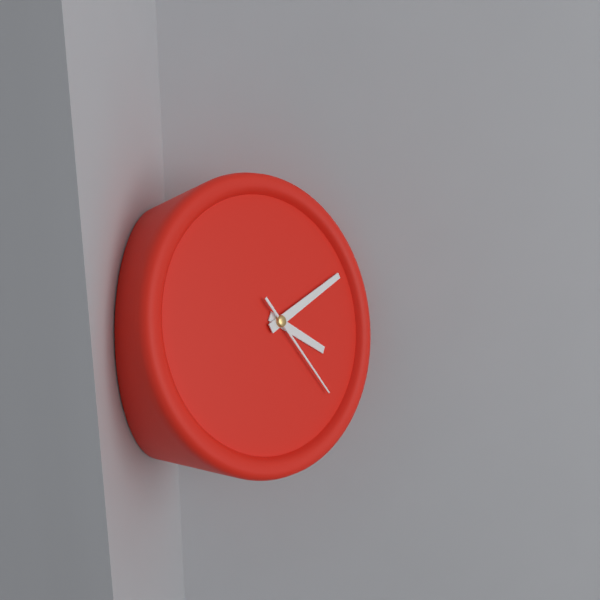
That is 4:12:25
